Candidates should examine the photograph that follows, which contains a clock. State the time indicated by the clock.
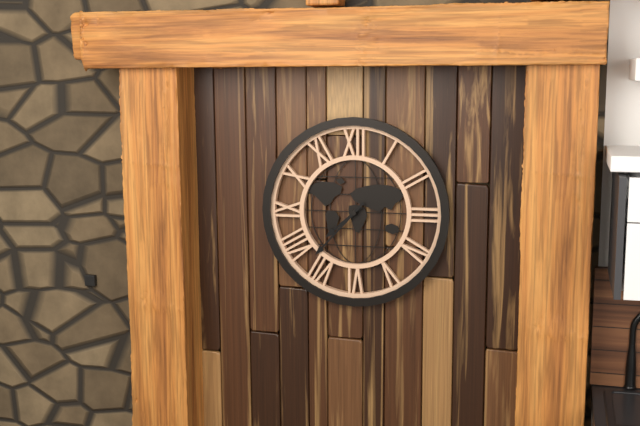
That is 7:37
